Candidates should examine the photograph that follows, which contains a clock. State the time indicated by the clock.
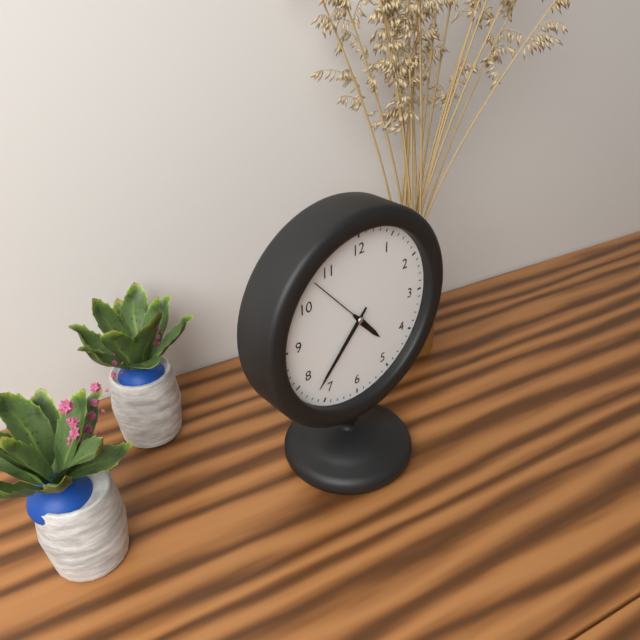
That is 4:37:53
